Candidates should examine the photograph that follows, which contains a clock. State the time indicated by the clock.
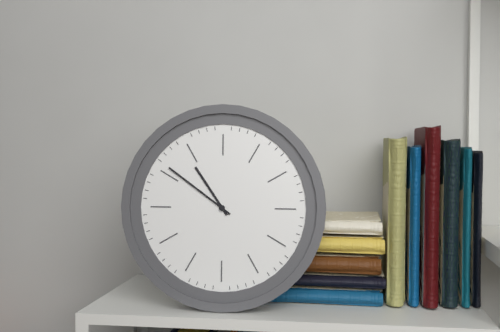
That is 10:51
